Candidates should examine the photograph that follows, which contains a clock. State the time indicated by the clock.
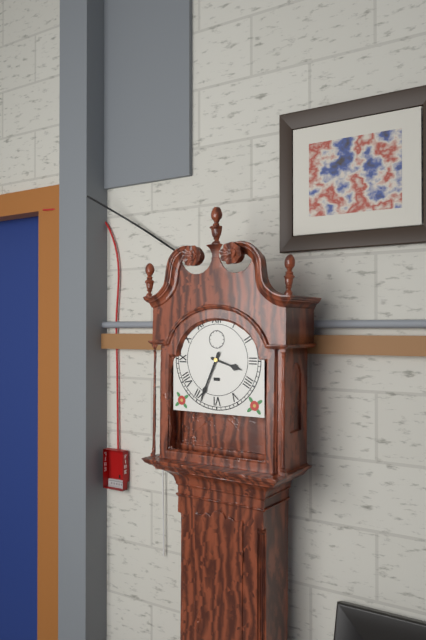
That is 3:34
